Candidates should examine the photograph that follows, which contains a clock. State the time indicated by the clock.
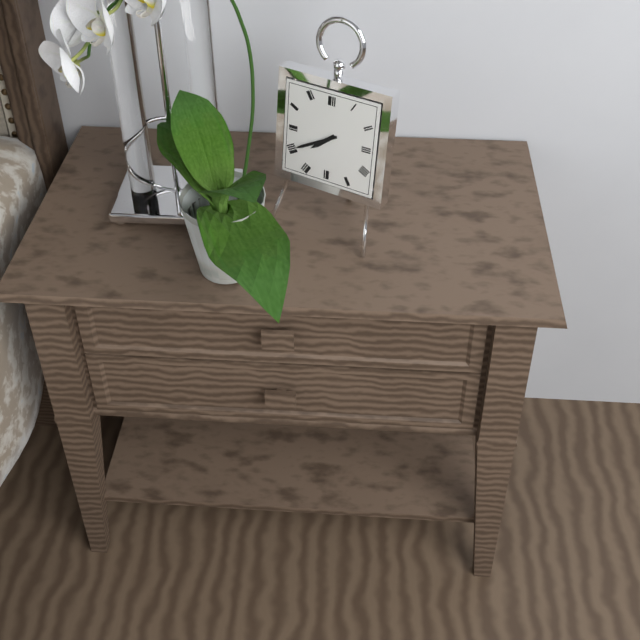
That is 7:40
